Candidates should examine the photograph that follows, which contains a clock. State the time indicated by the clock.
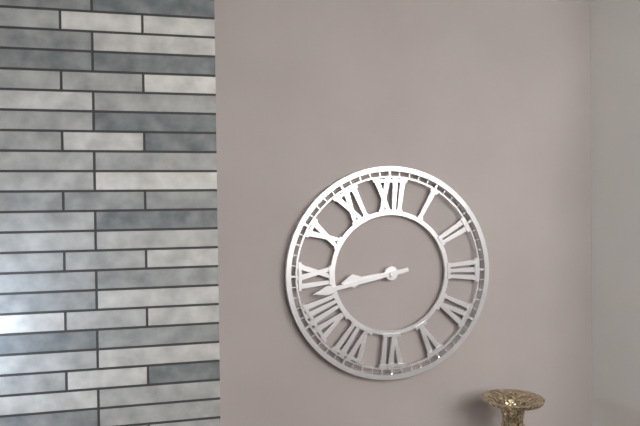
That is 8:43
